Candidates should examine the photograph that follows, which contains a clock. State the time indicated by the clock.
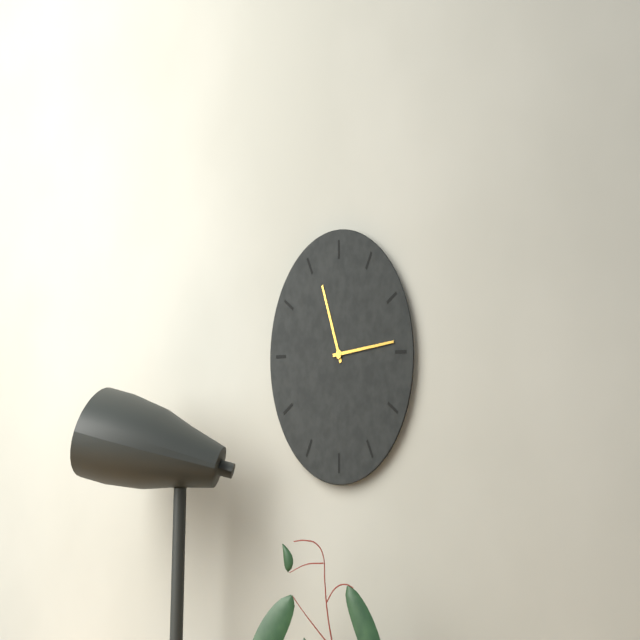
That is 11:14
